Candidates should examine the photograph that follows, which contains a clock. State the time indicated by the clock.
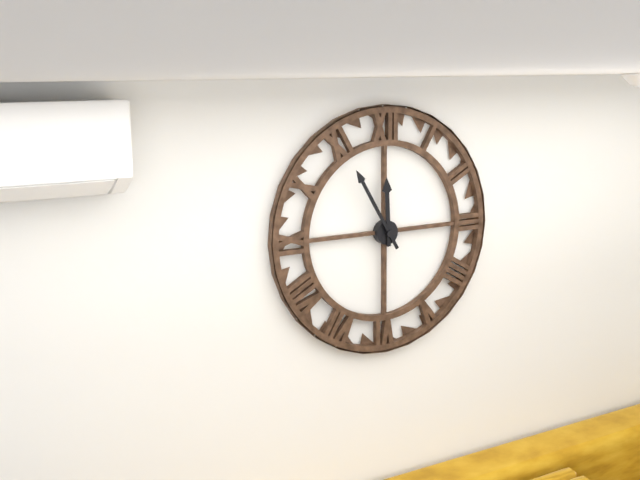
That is 11:55
